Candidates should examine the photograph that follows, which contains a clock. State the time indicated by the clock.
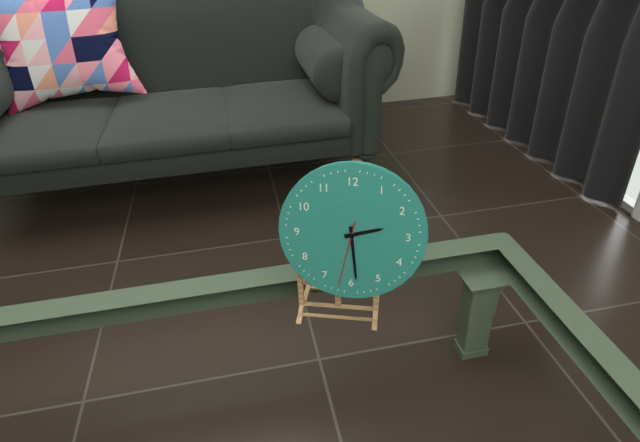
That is 2:29:32
